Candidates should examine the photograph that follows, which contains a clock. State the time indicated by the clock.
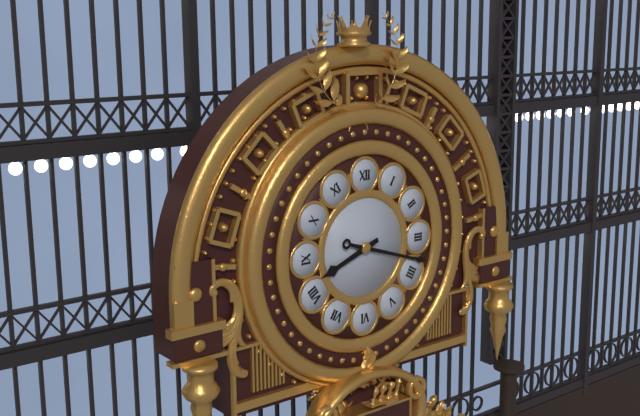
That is 8:18
